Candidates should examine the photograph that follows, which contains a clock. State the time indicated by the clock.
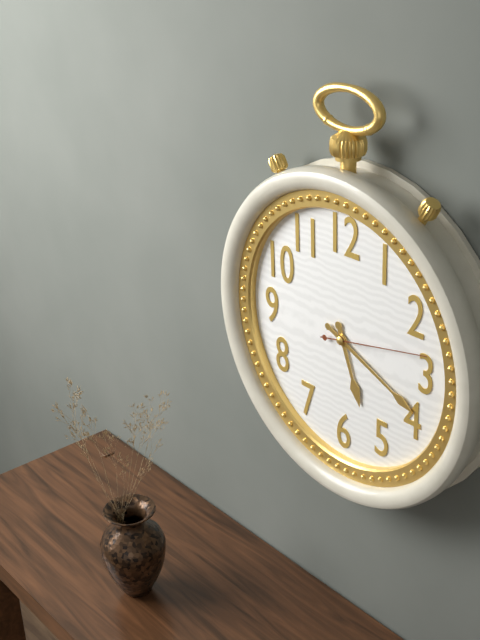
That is 5:19:13
